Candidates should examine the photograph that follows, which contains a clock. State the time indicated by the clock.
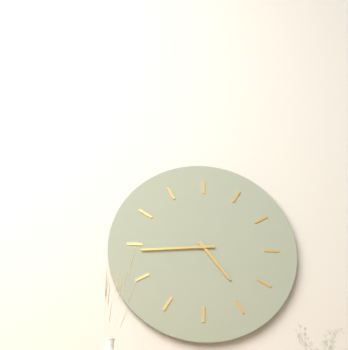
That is 4:44
